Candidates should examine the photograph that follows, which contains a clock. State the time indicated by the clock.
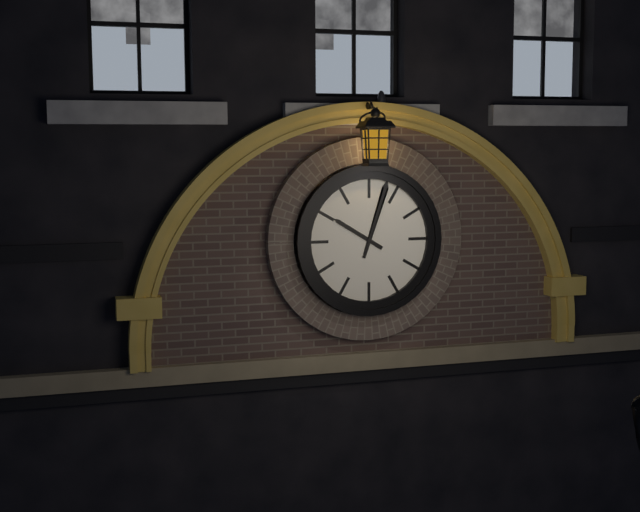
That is 10:03
